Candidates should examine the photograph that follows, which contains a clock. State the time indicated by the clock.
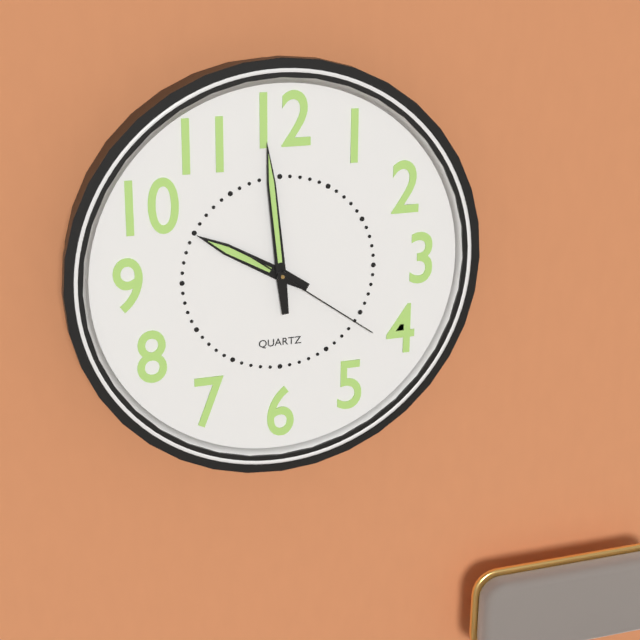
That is 9:59:21
